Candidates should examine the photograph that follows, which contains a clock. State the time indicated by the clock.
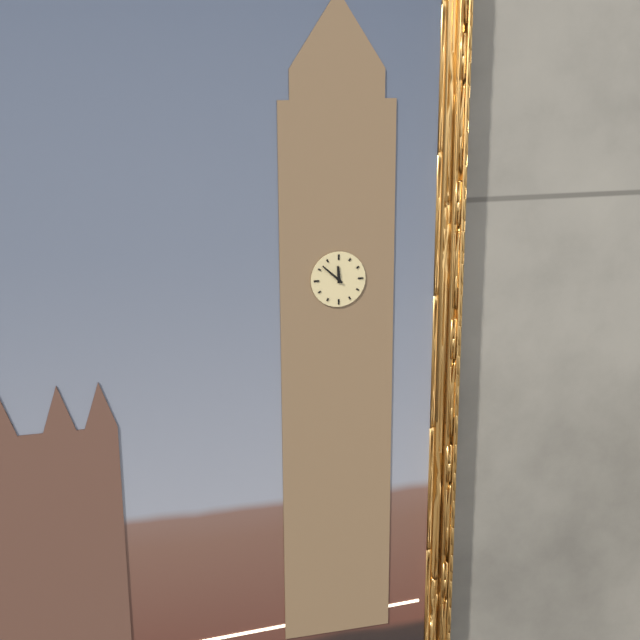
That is 11:52
